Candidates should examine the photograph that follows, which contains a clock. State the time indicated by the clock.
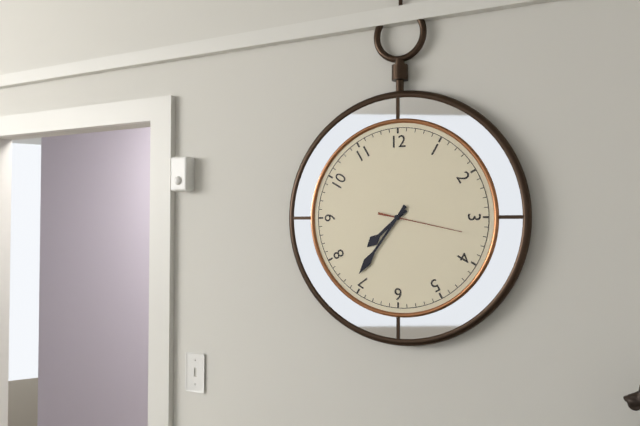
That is 7:36:17
